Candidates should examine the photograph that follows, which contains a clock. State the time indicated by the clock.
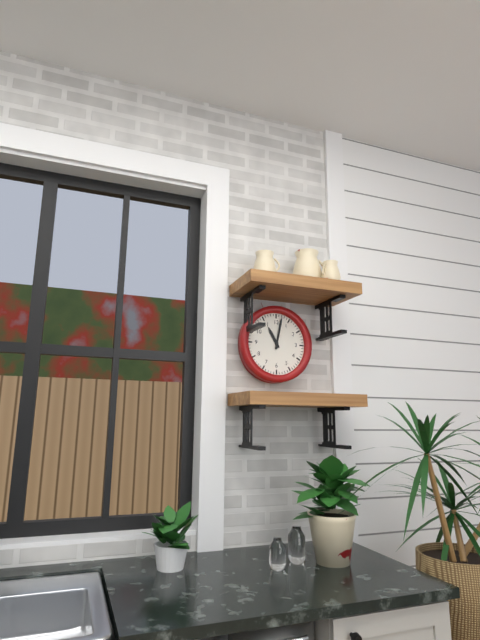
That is 11:02
